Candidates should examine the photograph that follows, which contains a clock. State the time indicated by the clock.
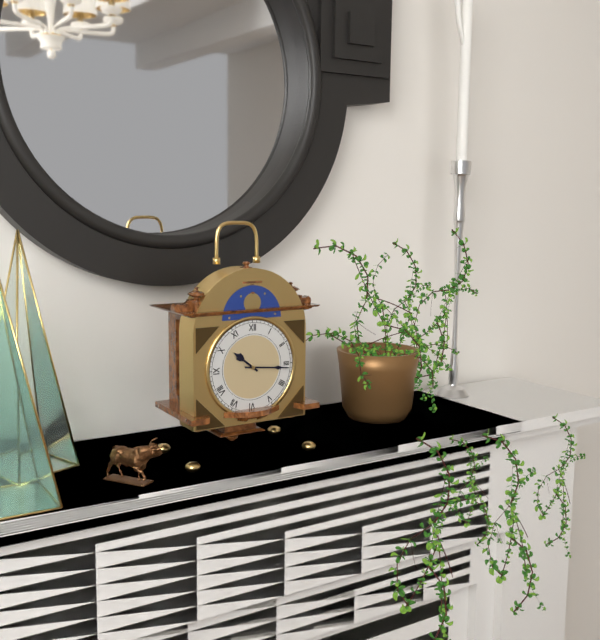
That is 10:16
